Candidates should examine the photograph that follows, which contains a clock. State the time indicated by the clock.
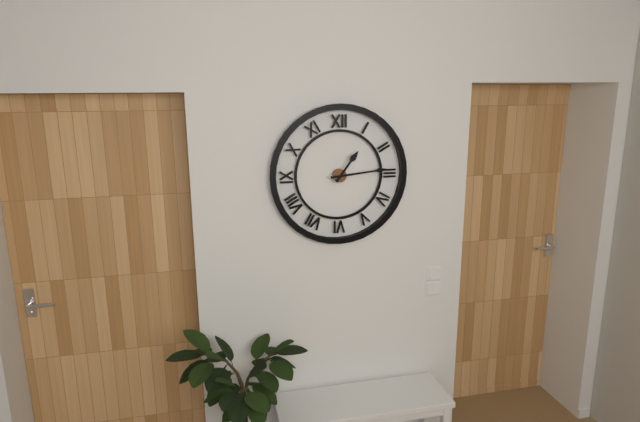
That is 1:14
